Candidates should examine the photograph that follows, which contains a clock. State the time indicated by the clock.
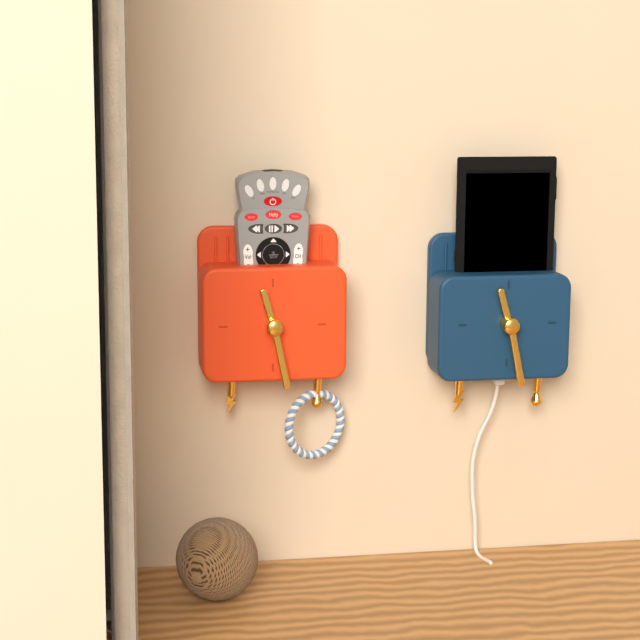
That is 11:28
